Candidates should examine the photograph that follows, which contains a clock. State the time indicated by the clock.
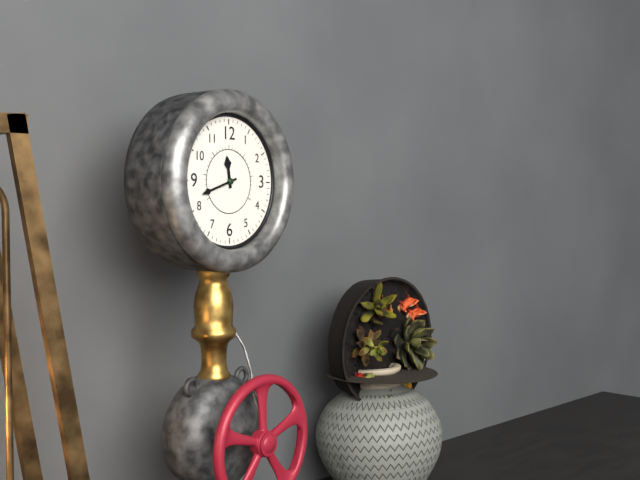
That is 11:42
